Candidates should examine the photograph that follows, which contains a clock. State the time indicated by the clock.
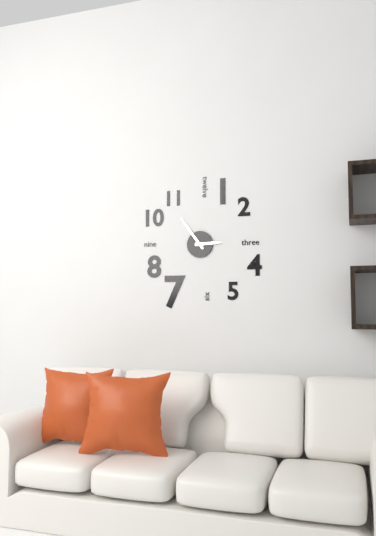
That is 2:54
